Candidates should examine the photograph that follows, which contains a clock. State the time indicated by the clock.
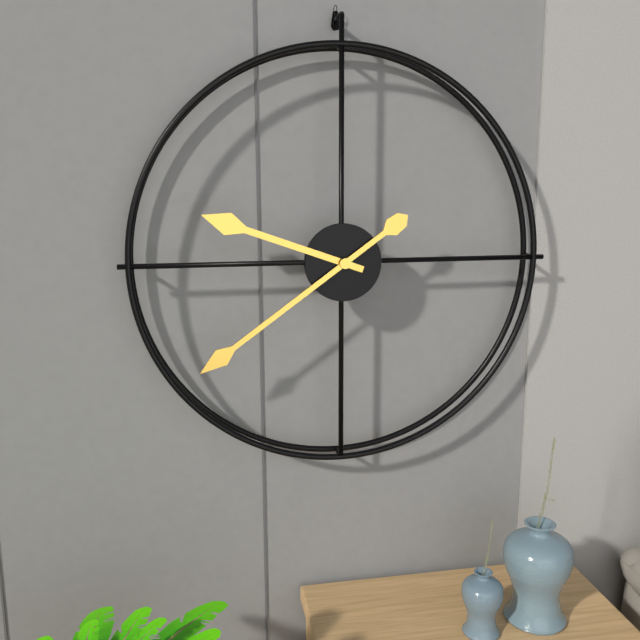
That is 9:39
